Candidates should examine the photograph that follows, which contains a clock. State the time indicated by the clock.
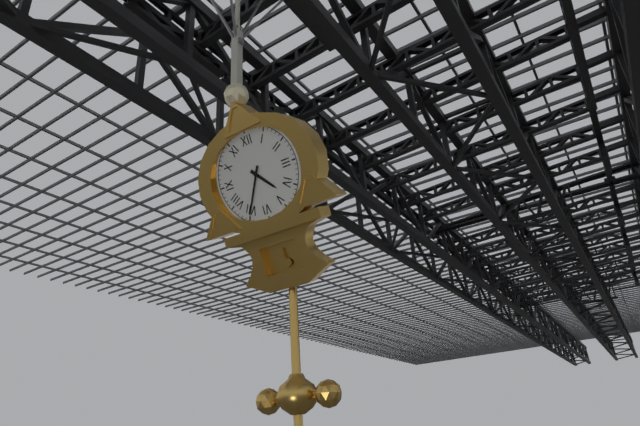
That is 4:35
